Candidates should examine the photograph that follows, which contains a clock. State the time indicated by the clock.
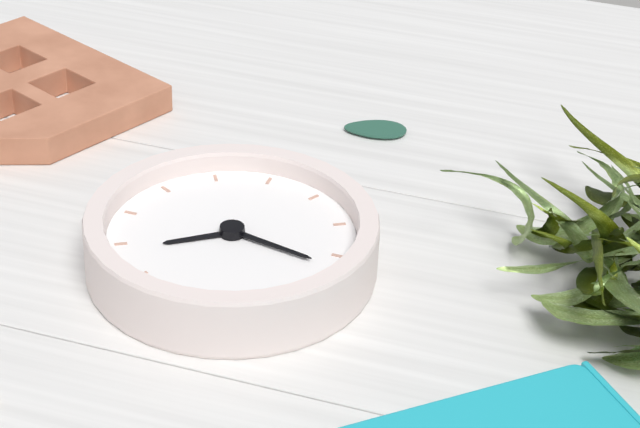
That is 1:47
